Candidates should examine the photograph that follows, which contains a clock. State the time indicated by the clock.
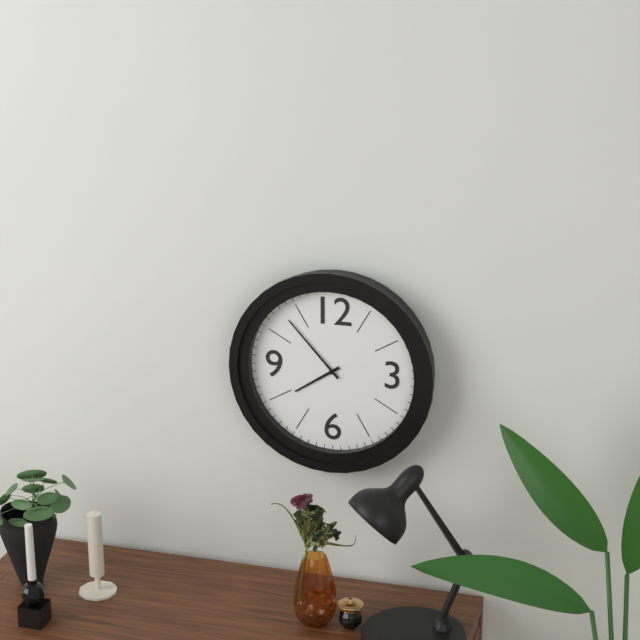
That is 7:53
